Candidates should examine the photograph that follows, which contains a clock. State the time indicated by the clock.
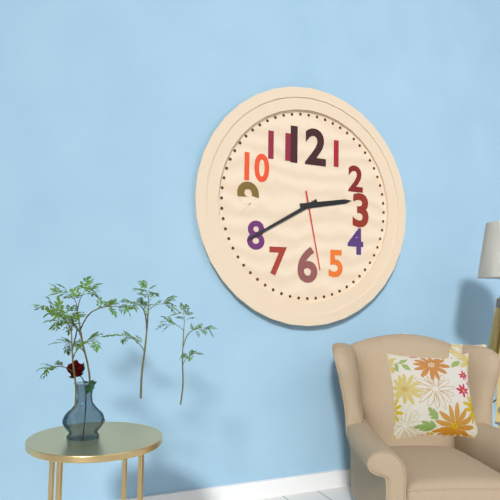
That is 2:40:28
